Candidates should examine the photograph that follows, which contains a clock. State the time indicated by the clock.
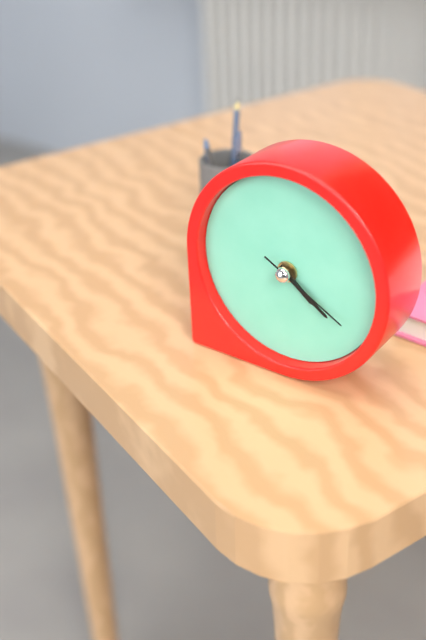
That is 4:21:20
